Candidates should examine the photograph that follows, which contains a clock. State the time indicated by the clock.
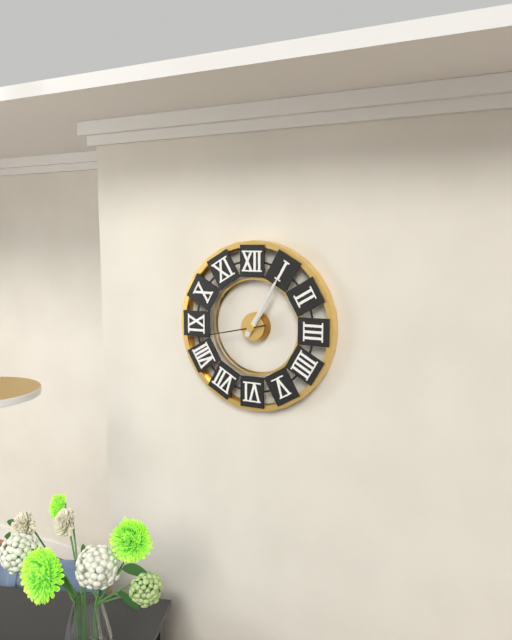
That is 1:05:43
